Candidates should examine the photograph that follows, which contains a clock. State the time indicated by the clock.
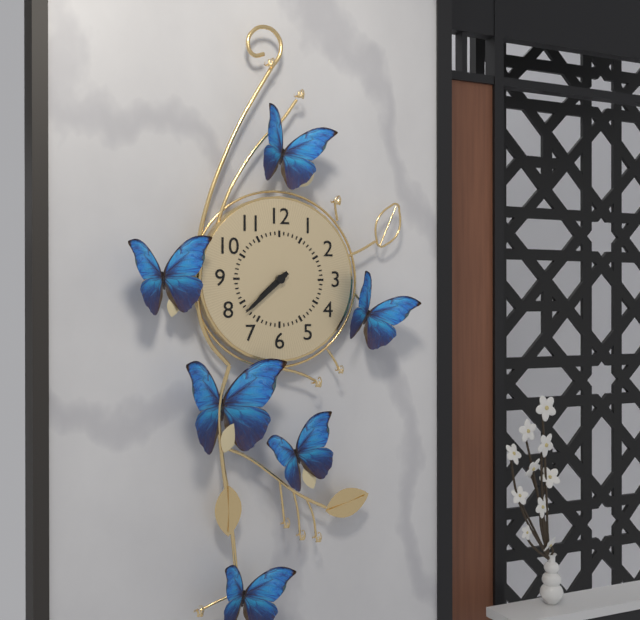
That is 7:38
